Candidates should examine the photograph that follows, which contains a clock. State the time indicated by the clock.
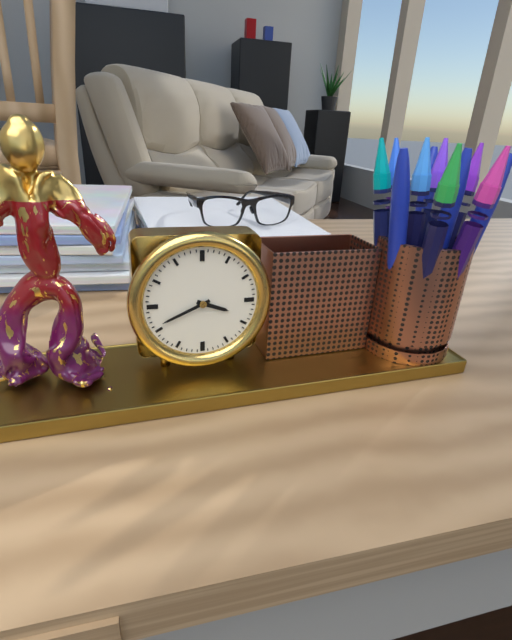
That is 3:41
